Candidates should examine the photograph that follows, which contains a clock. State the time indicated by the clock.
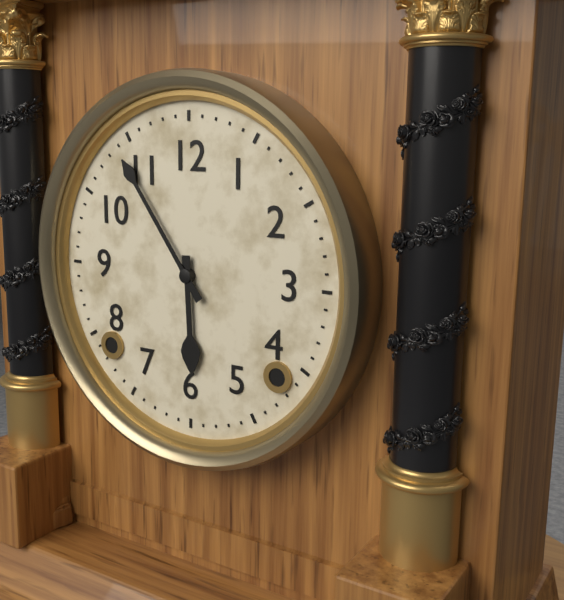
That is 5:54
